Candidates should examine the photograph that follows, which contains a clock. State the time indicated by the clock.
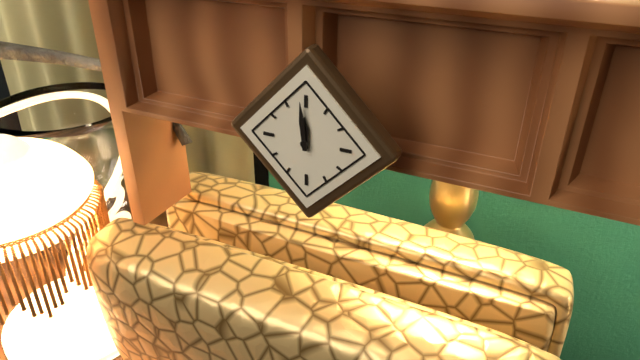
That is 11:59
